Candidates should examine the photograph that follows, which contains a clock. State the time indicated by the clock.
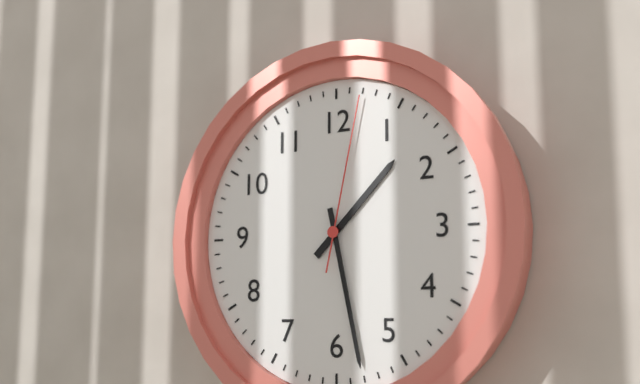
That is 1:28:02
